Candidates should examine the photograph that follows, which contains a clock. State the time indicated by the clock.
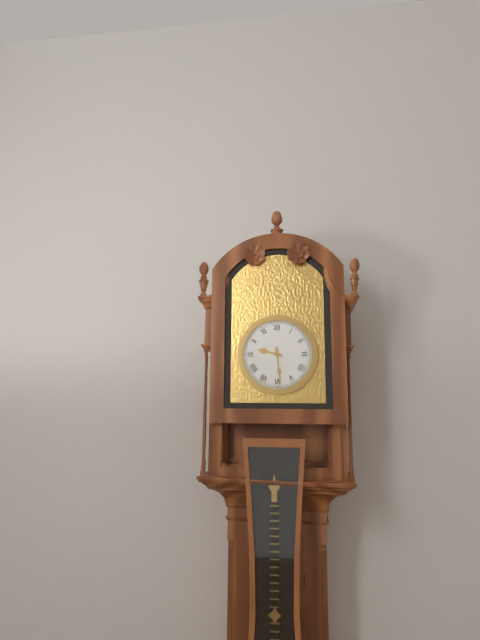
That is 9:29
